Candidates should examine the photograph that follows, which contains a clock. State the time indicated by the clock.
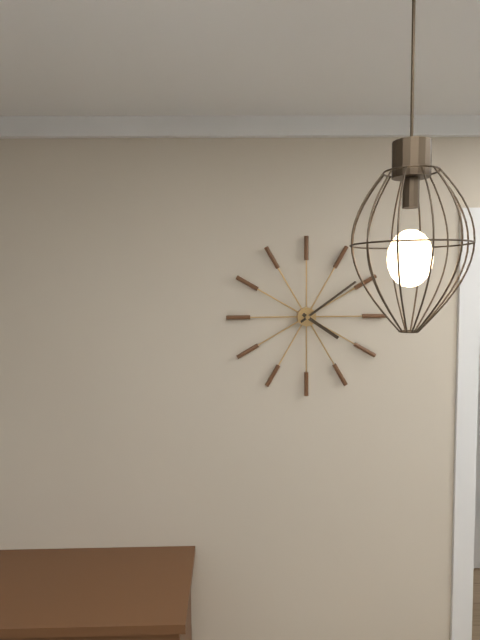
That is 4:09
